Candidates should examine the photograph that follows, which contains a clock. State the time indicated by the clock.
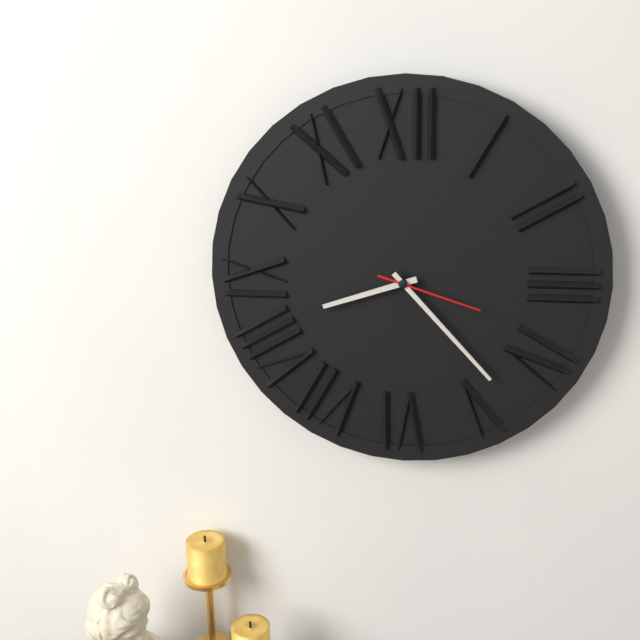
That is 8:23:18
